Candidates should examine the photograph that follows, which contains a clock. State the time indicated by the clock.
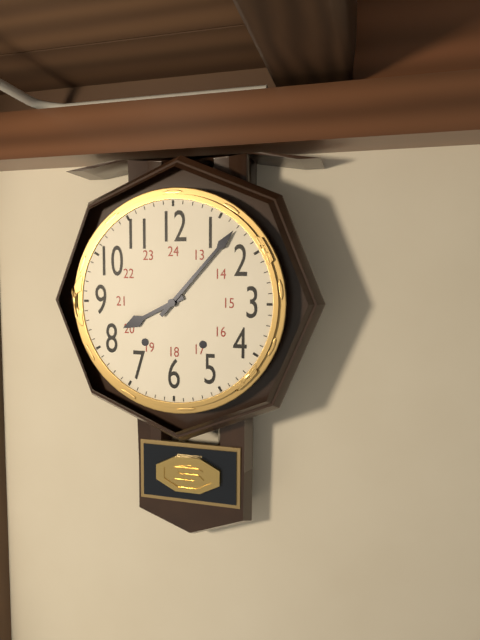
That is 8:07
